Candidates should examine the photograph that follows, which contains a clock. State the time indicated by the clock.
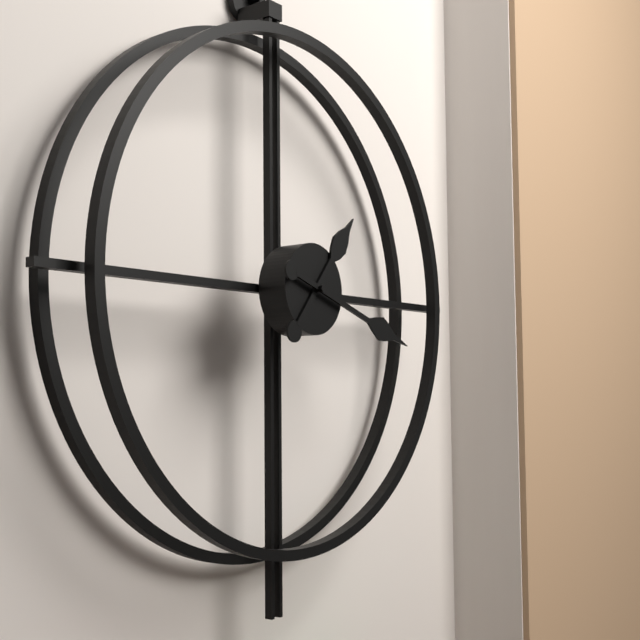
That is 1:18
